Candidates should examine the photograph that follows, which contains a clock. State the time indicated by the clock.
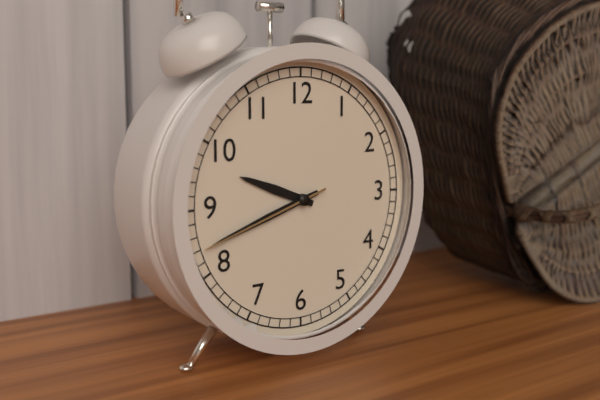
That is 9:42:42
